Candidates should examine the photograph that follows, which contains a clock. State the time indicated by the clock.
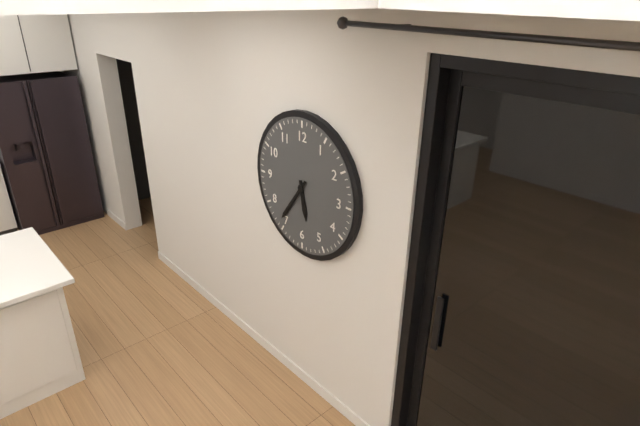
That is 5:36
